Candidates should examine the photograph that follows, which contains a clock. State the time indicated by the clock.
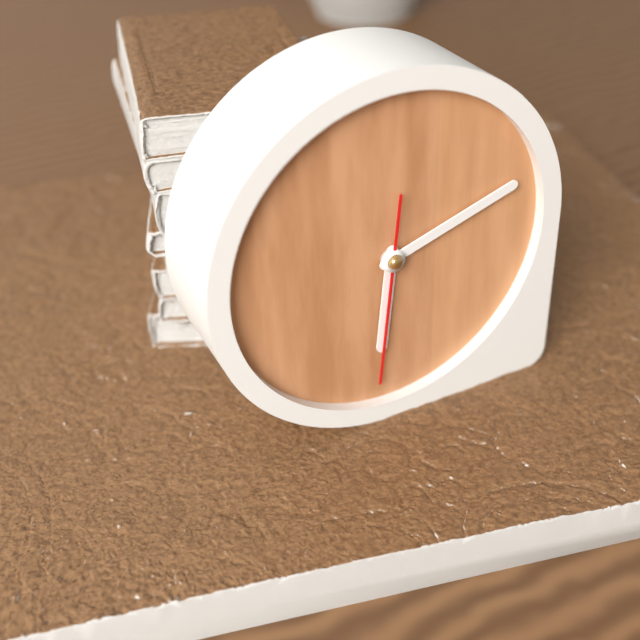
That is 6:12:31
